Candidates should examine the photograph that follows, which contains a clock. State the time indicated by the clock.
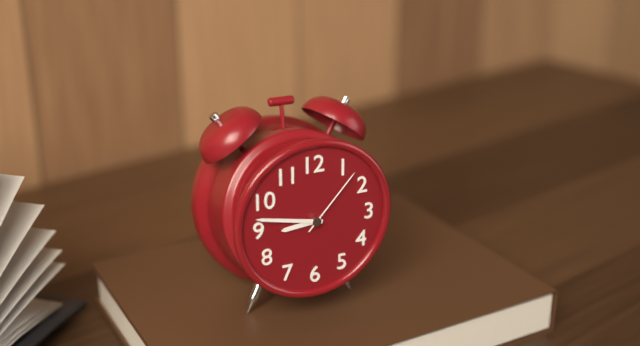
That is 8:47:07
